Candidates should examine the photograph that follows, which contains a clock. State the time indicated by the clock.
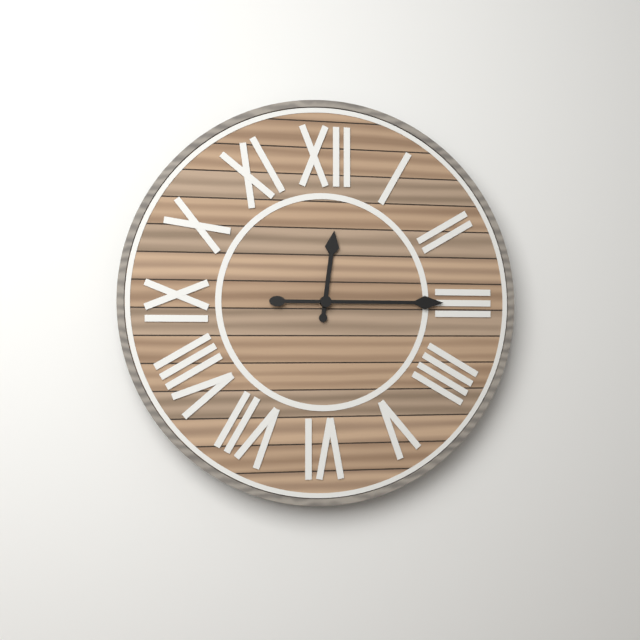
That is 12:15
